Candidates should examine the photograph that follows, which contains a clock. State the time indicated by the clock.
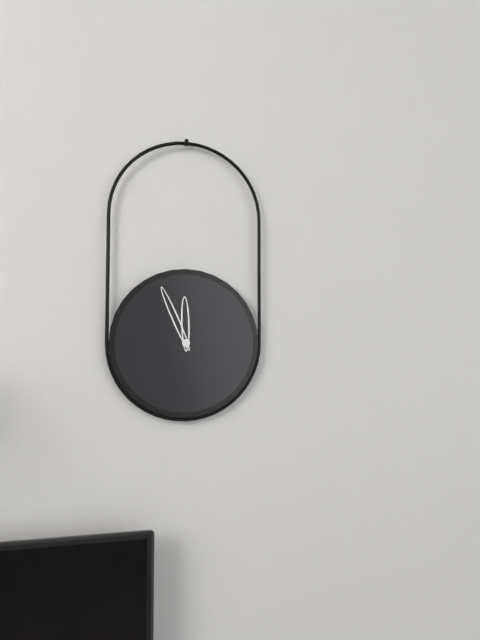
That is 11:56
